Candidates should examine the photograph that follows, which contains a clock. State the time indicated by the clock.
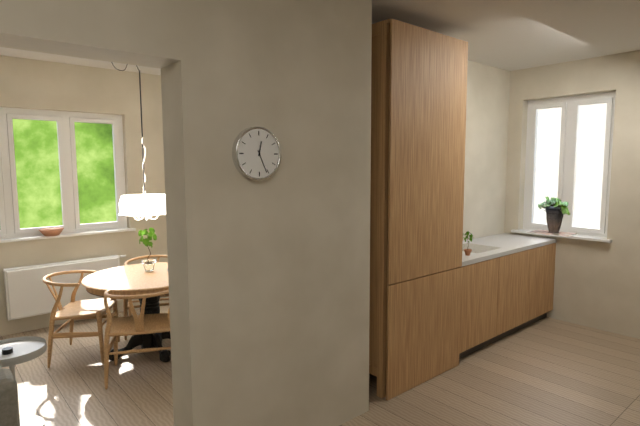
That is 12:26
